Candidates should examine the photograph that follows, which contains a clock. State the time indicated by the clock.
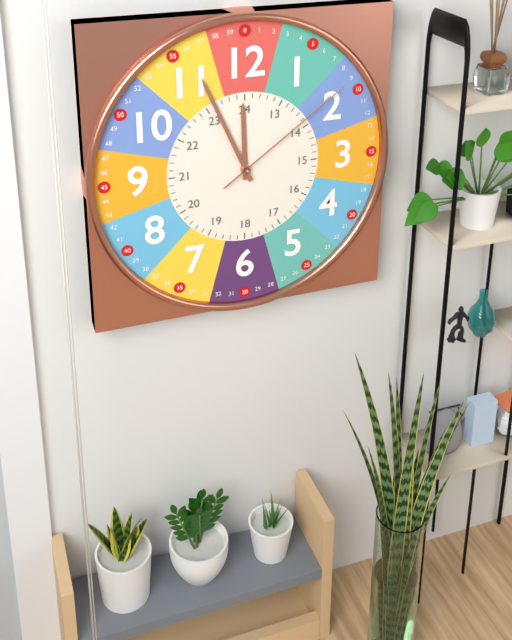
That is 11:56:09
